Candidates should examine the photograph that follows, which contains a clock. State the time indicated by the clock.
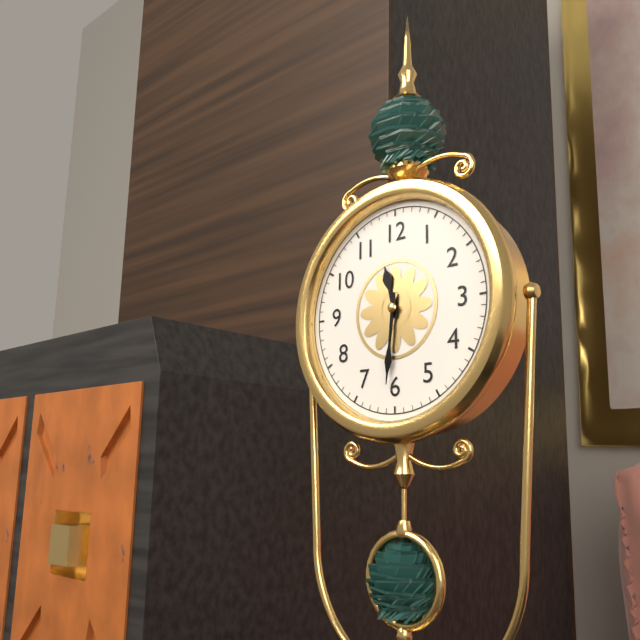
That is 11:31
